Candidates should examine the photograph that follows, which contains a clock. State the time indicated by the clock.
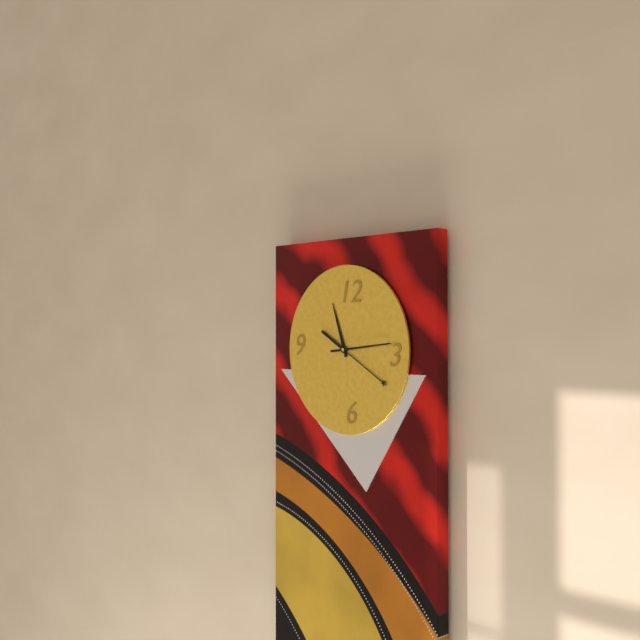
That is 11:20
